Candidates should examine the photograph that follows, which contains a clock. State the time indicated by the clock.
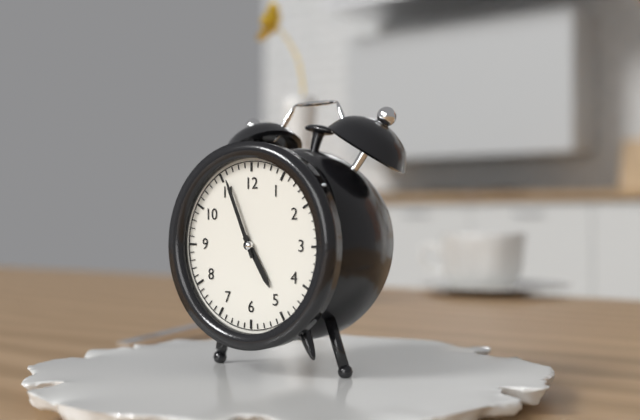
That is 4:56
